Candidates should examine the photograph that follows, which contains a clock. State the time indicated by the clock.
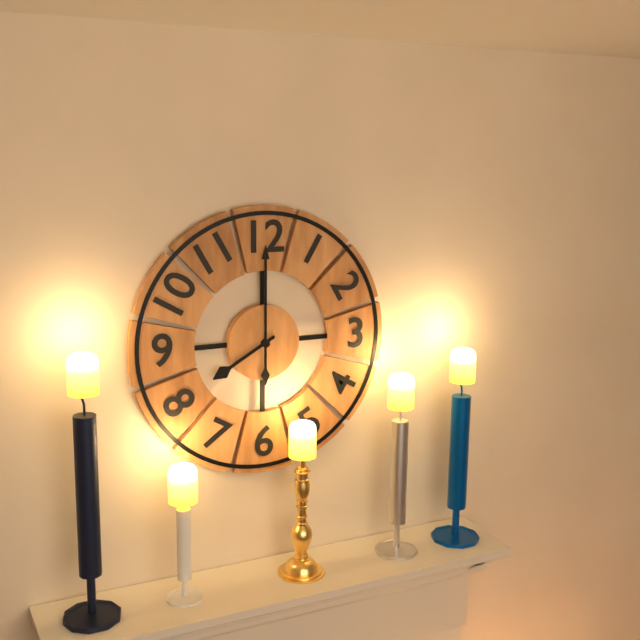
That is 8:00
